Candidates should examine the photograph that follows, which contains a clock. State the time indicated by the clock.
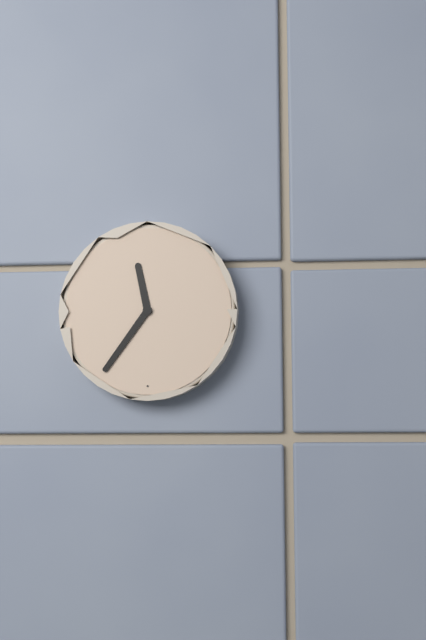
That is 11:36
